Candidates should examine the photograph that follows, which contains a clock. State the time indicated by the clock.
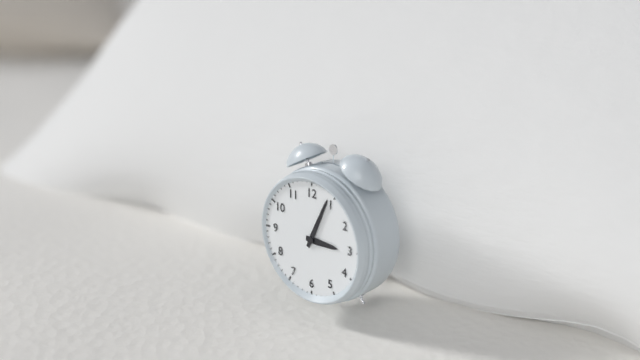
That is 3:04
